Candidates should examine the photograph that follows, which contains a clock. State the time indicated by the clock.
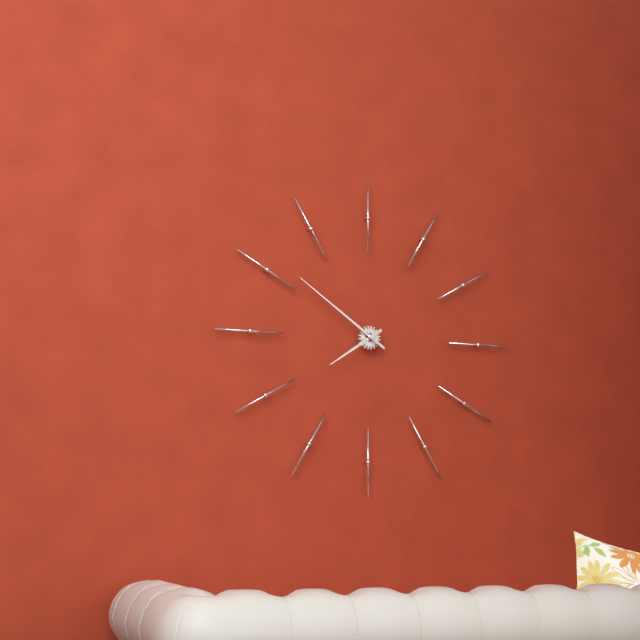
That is 7:51
